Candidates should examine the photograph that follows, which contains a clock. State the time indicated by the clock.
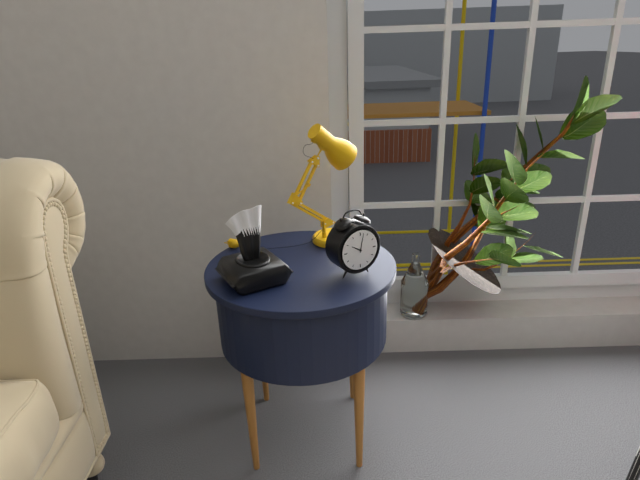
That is 10:02
